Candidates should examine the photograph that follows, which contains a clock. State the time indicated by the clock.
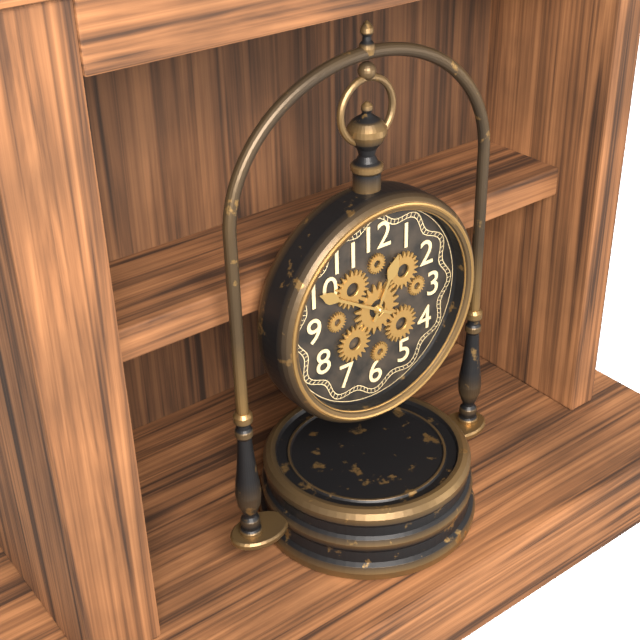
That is 12:50
